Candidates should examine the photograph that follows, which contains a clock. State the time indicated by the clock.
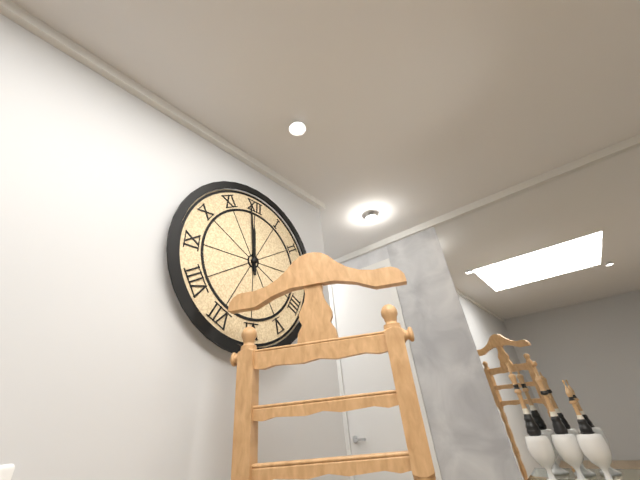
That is 11:59
